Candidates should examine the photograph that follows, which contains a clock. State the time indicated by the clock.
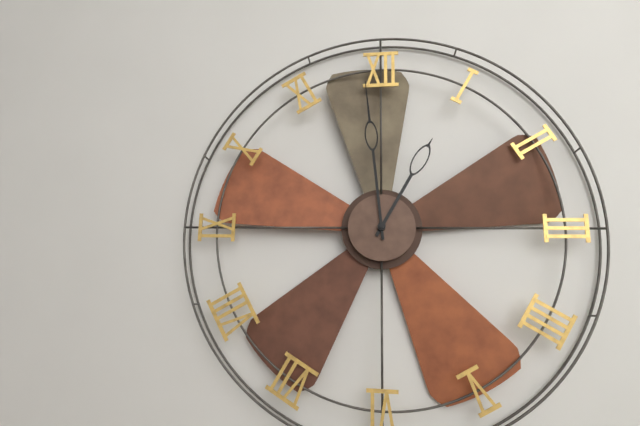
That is 12:59
